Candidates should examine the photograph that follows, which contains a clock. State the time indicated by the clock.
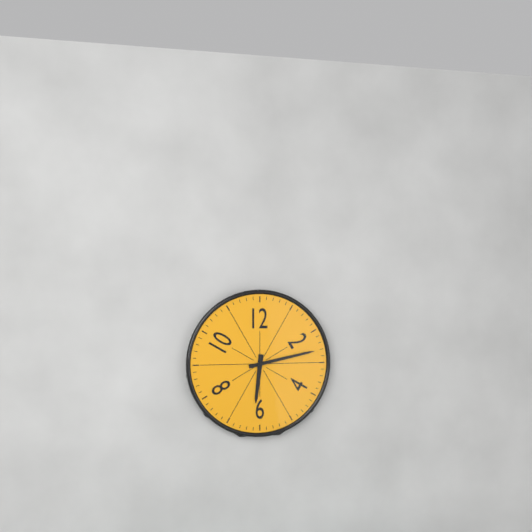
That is 6:13
